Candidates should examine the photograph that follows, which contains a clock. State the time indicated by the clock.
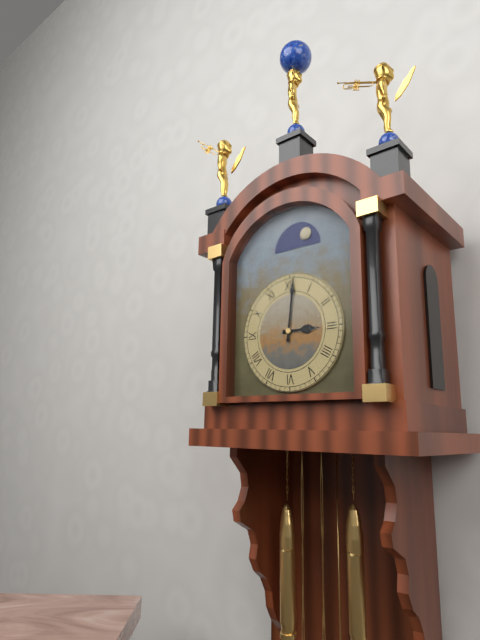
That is 3:01
